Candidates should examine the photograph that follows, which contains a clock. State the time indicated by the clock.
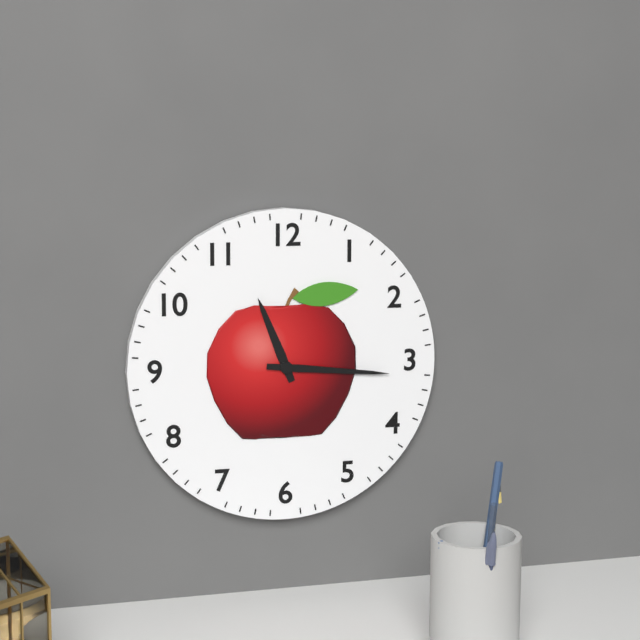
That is 11:16
